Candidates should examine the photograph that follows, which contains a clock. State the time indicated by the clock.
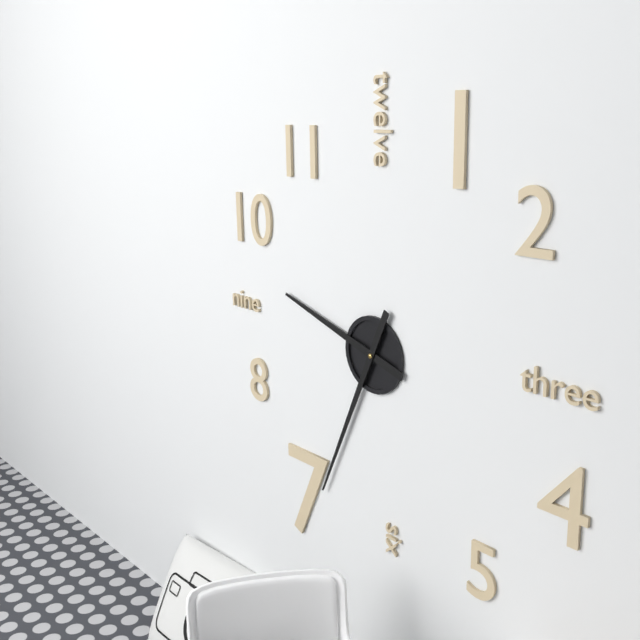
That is 9:34
